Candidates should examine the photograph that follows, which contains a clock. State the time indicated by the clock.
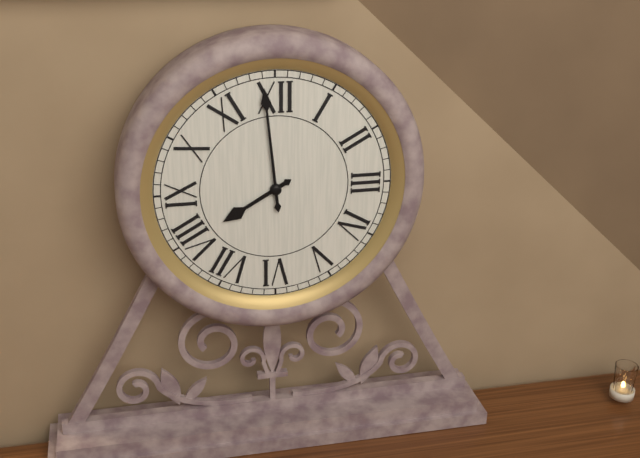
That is 7:59
